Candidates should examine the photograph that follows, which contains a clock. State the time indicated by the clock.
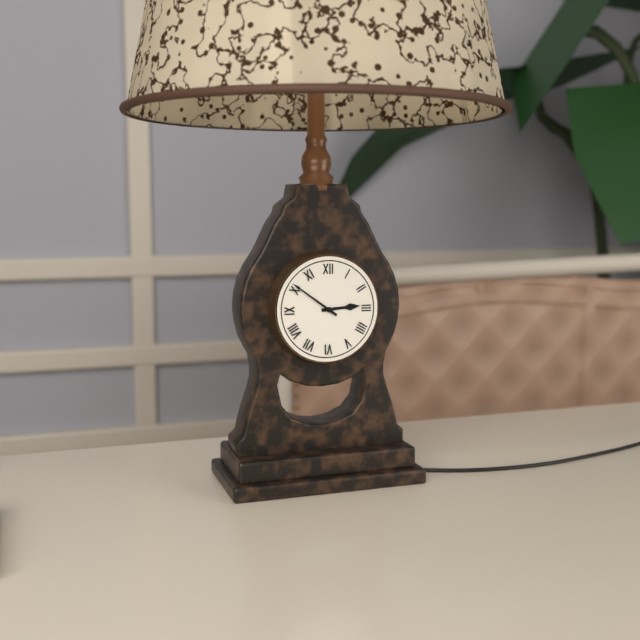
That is 2:51
